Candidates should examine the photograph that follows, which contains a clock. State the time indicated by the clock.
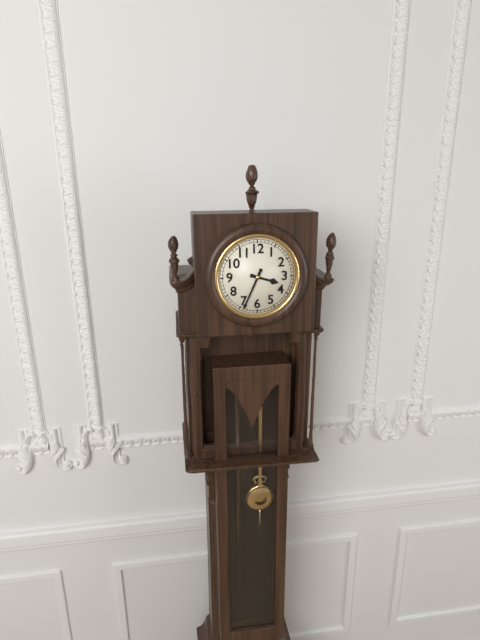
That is 3:34
